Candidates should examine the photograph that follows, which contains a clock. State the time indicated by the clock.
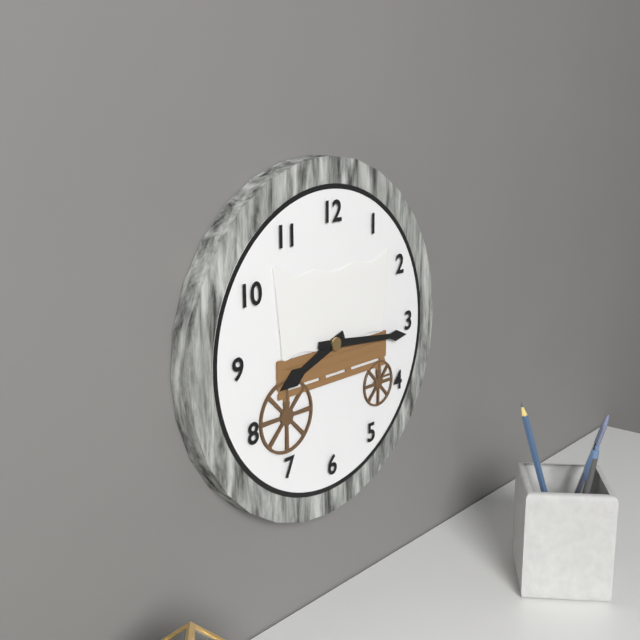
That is 8:16
